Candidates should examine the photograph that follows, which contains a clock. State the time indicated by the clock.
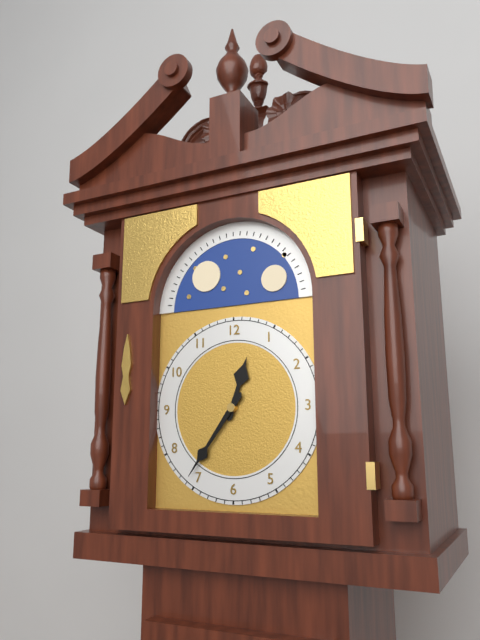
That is 12:36
